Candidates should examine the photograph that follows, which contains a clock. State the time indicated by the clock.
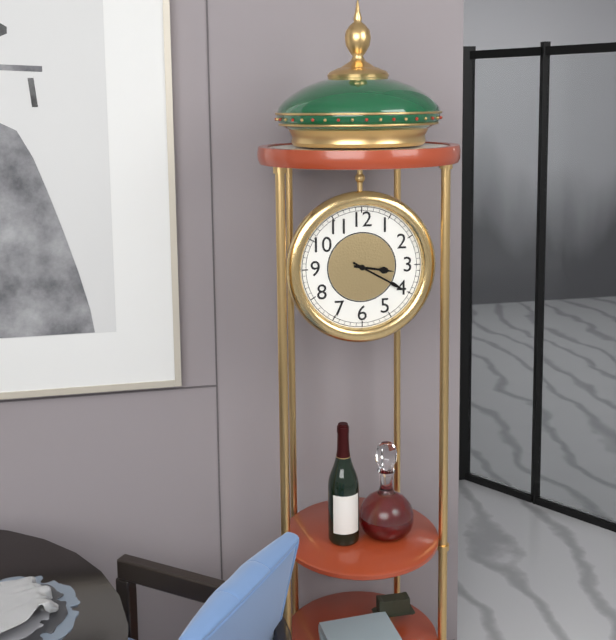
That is 3:20
